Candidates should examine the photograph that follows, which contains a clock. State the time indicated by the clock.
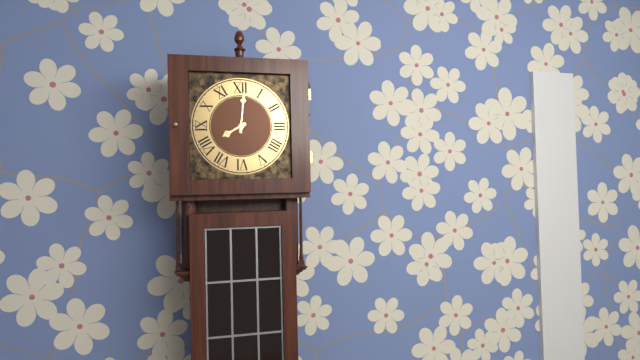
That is 8:01
